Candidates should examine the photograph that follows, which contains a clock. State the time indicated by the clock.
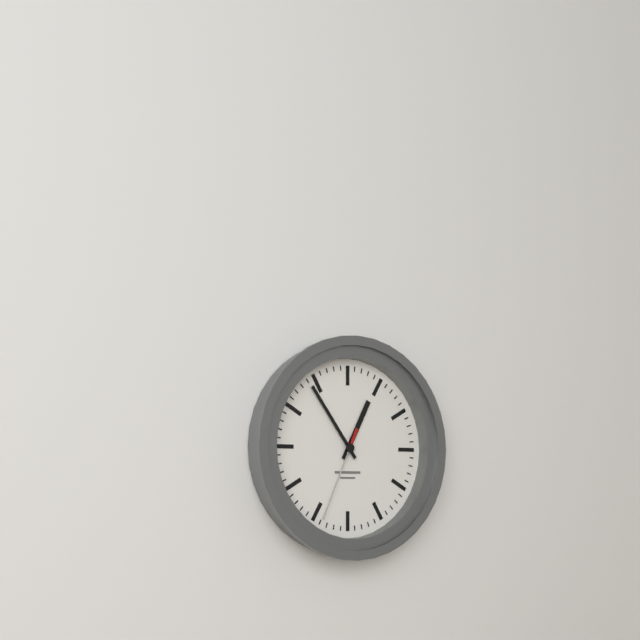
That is 12:54:34
